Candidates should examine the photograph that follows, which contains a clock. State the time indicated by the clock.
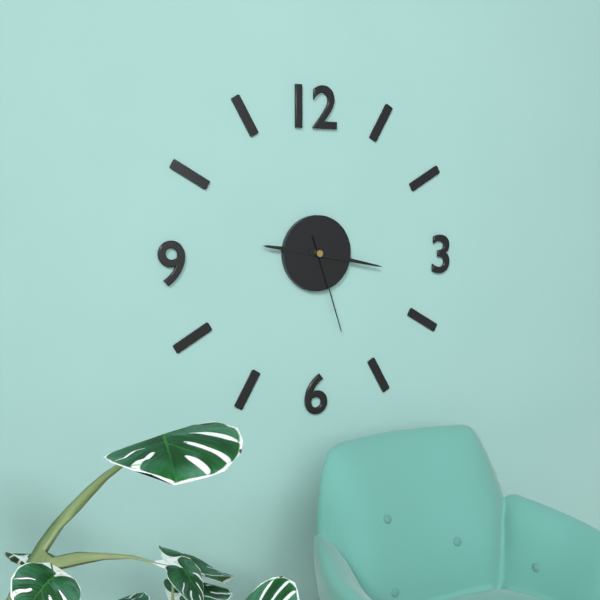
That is 9:17:27
